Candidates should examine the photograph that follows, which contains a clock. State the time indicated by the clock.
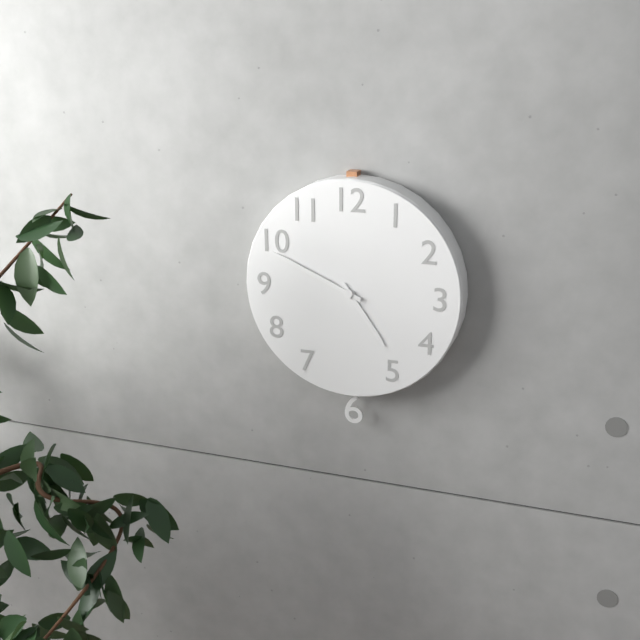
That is 4:49
